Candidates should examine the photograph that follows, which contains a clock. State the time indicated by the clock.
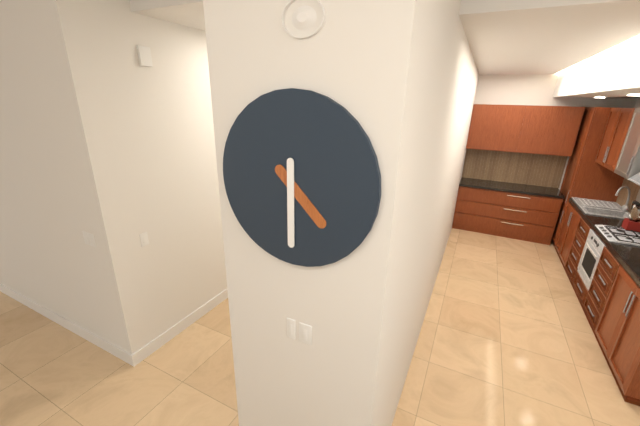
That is 4:30
